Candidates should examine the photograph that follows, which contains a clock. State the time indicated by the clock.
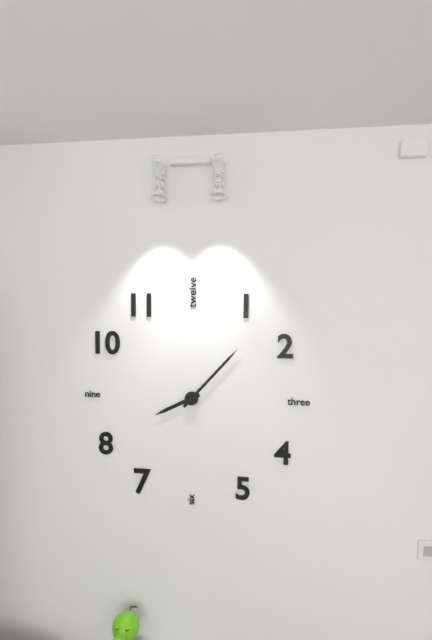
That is 8:07
